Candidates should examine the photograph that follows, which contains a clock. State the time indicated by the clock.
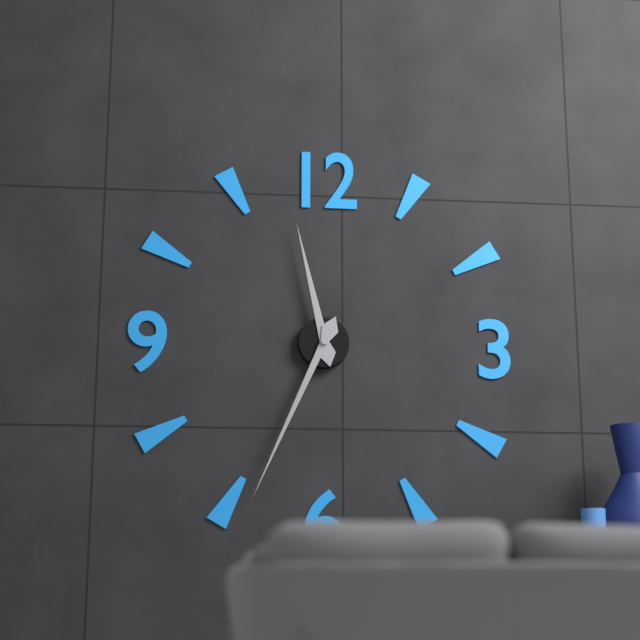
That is 11:34
